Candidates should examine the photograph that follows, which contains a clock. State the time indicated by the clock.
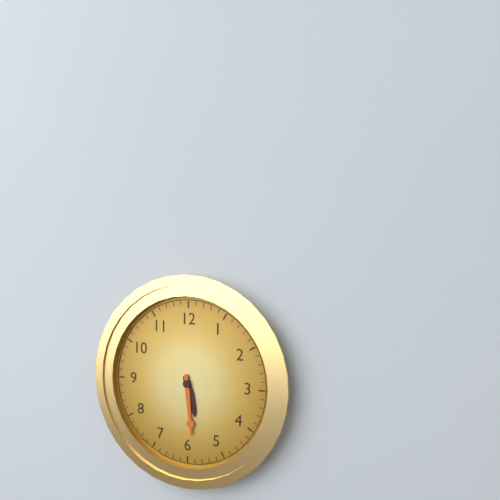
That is 5:29
